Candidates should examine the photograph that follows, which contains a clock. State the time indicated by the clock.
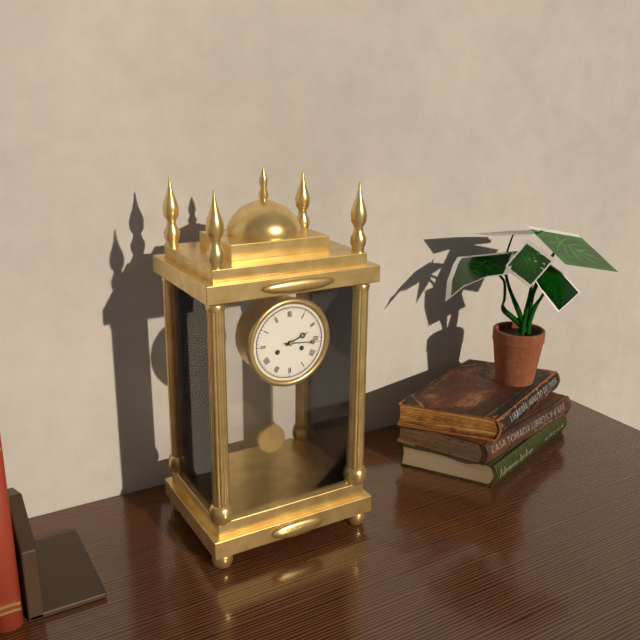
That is 2:16
